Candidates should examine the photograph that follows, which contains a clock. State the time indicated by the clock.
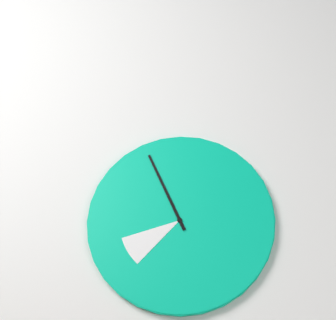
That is 7:56
